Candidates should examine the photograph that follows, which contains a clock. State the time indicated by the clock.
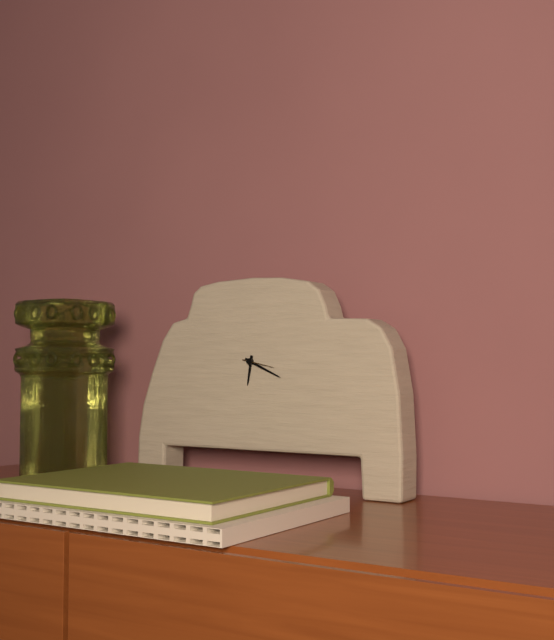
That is 6:19
